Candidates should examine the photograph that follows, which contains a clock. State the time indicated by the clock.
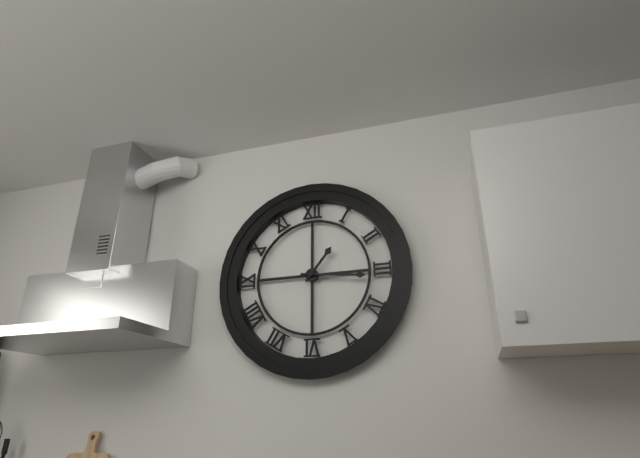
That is 1:16
